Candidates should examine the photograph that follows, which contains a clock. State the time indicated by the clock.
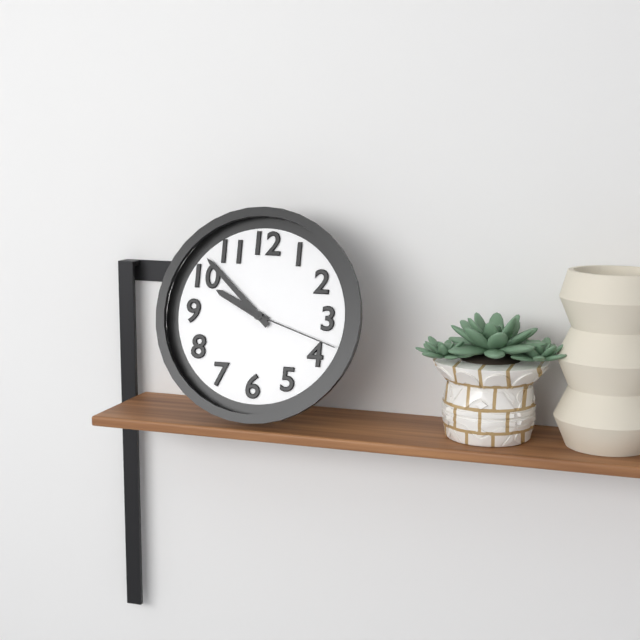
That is 9:52:18
